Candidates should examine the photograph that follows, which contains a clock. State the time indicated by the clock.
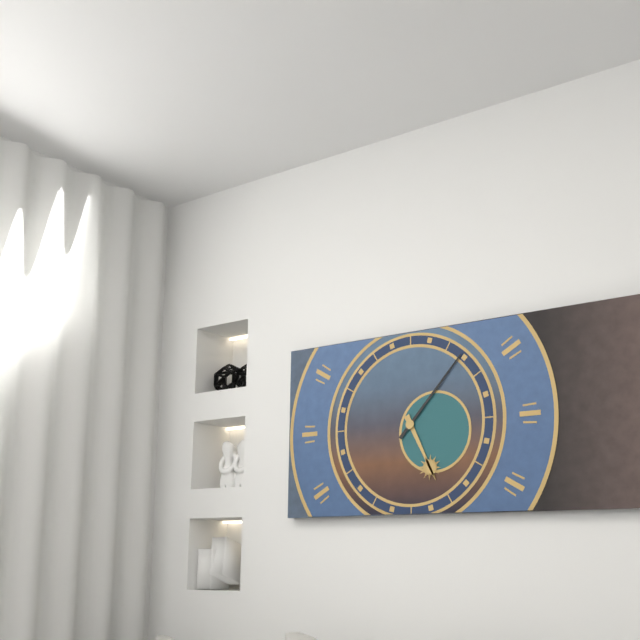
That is 5:07
